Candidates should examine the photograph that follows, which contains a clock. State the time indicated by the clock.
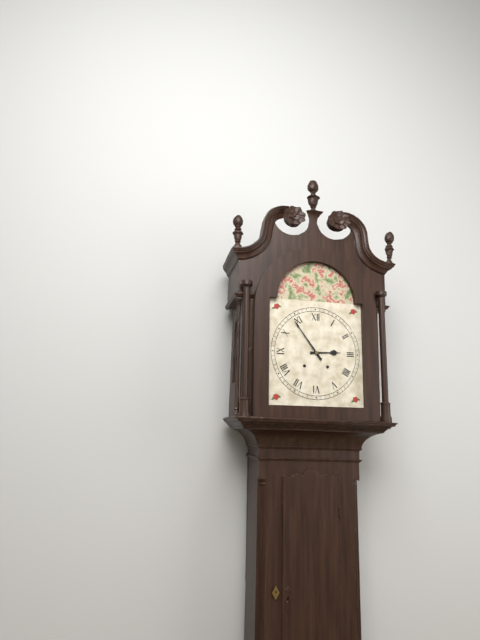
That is 2:54
